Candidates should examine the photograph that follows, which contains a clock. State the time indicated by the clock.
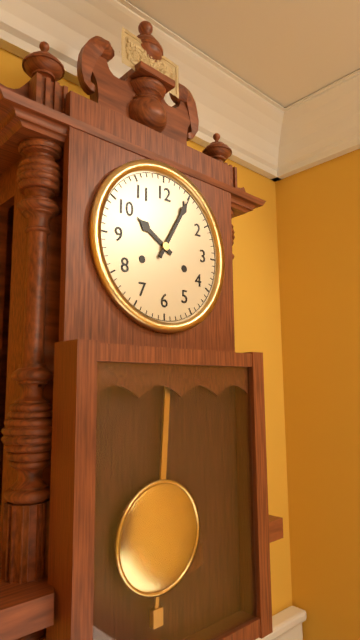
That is 10:05
